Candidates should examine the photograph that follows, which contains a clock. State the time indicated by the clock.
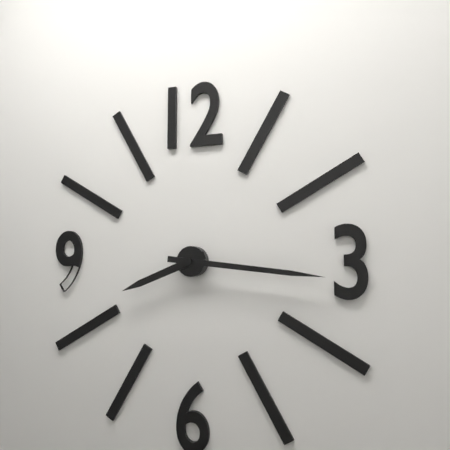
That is 8:16
